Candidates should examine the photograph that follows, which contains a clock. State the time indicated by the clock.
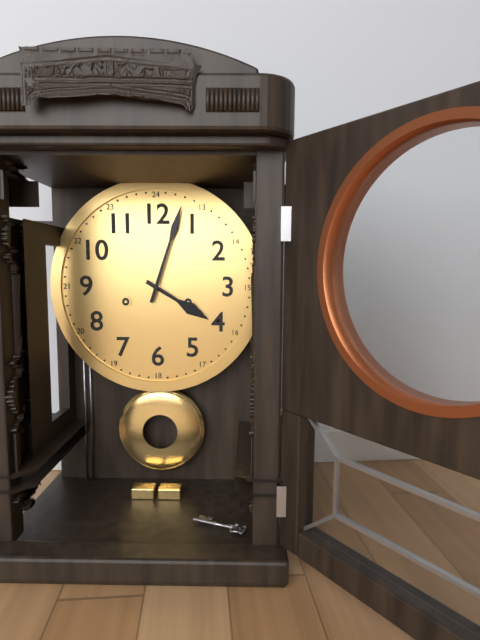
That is 4:03
